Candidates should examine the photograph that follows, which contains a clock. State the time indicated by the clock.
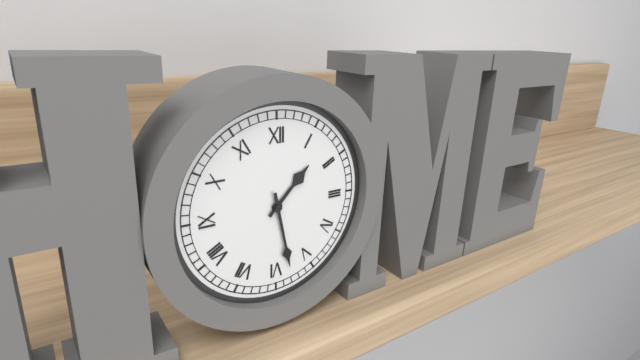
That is 1:28
